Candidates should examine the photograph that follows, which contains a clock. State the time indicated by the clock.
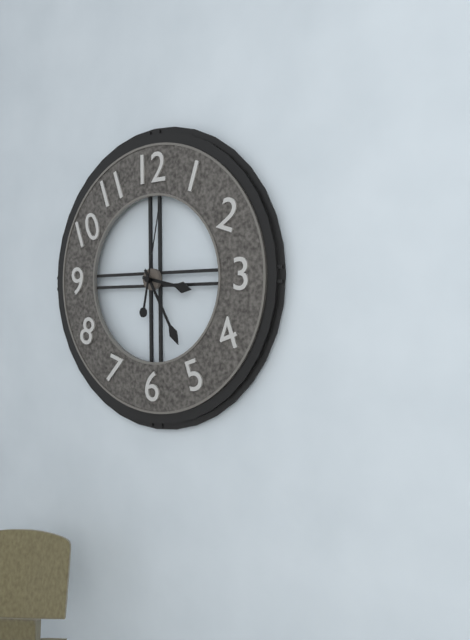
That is 3:25:02
